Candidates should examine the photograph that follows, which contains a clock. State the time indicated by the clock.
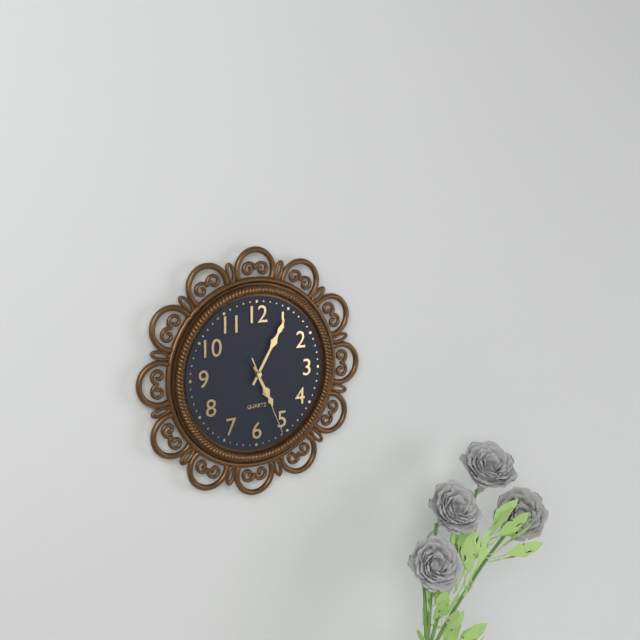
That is 5:05:26
